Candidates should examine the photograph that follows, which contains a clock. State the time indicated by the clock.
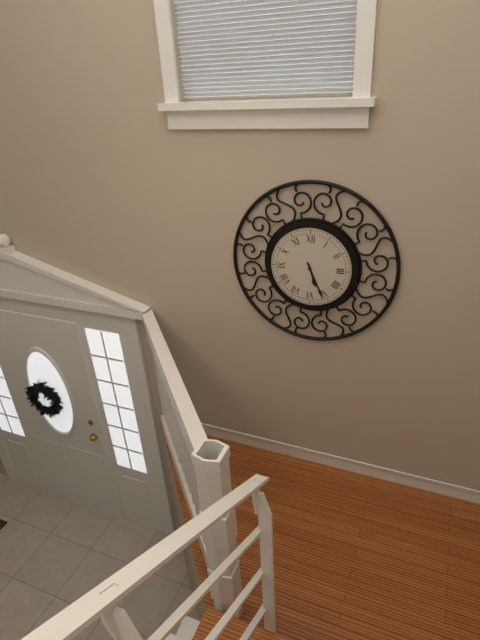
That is 5:26
